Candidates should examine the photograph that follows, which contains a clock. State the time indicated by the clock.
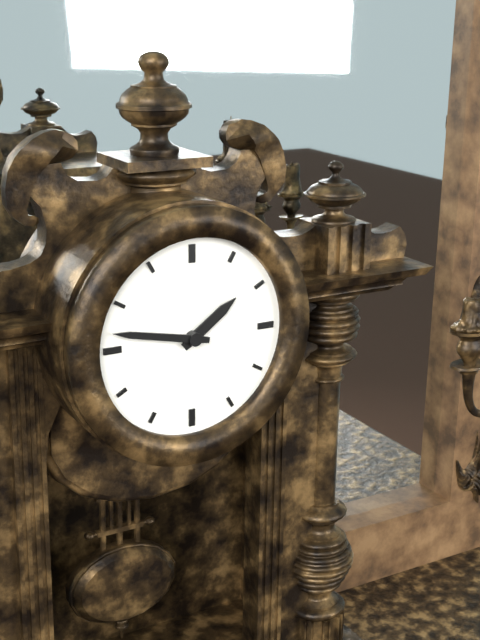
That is 1:47
